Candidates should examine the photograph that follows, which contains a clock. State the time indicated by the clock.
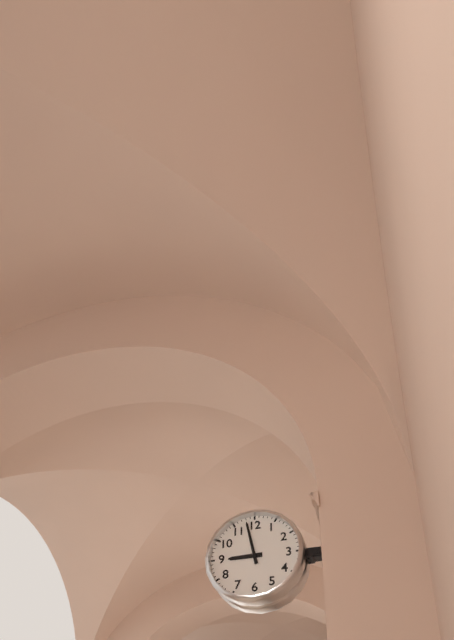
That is 8:58
